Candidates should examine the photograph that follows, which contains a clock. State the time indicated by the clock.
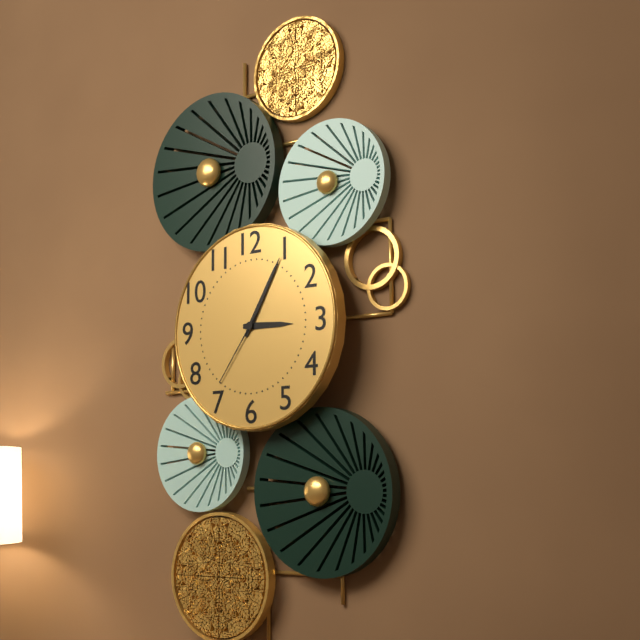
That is 3:05:36
